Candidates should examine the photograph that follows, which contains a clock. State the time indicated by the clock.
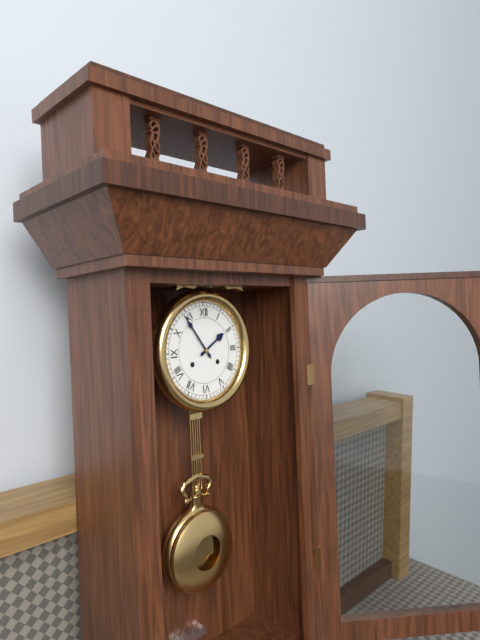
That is 1:54
